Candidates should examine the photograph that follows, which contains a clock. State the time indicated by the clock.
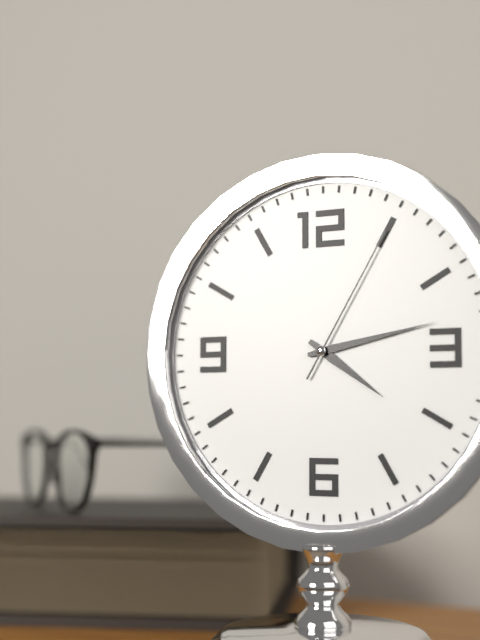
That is 4:13:05
